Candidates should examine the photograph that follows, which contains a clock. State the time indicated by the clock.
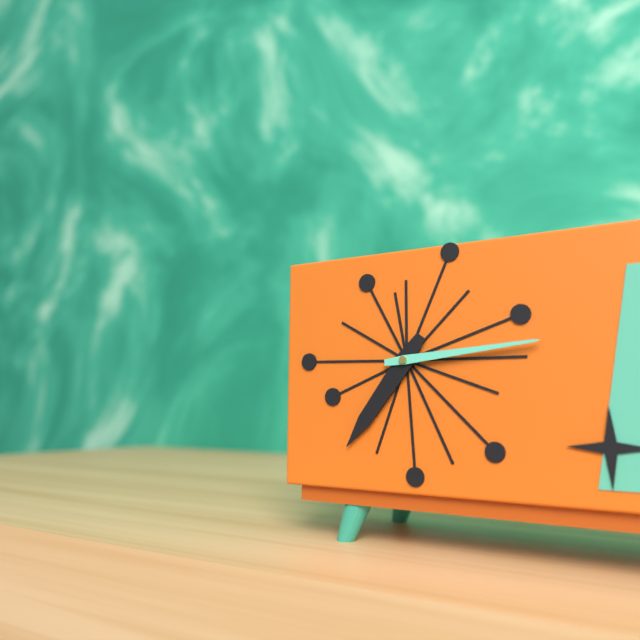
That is 7:14
